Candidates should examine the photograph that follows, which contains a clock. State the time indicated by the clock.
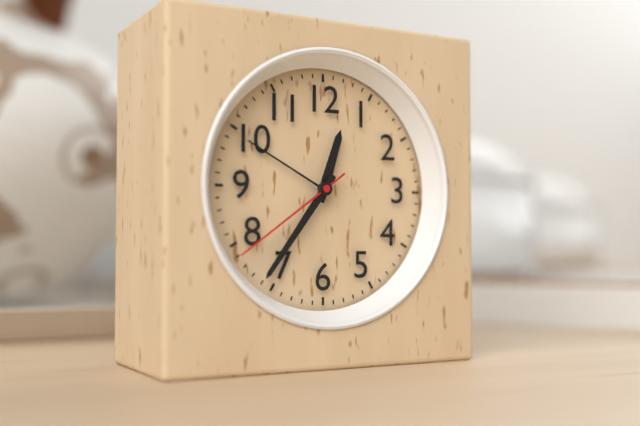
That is 12:36:39
